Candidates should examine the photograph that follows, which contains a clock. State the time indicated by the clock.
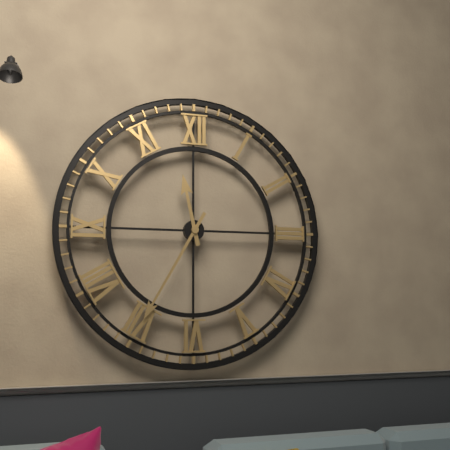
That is 11:35
